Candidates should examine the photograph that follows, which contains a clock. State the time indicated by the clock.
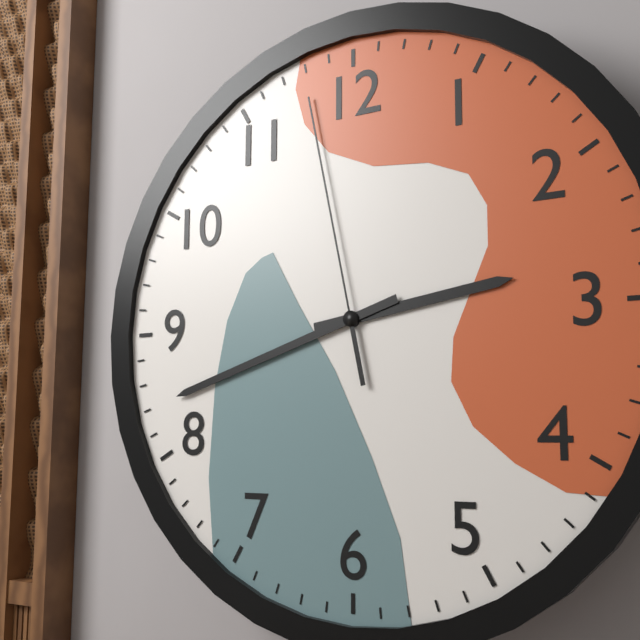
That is 2:42:58
